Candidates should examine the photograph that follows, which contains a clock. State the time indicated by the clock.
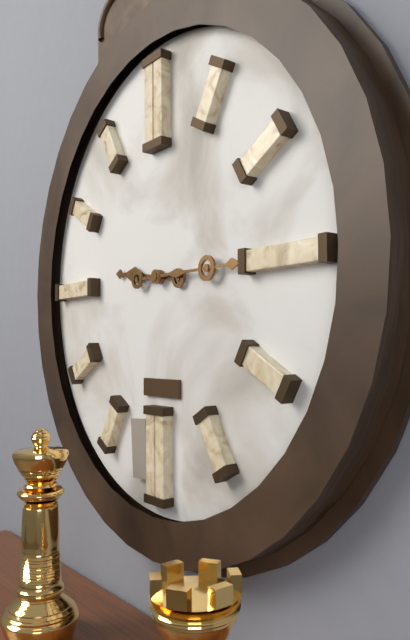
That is 9:15
